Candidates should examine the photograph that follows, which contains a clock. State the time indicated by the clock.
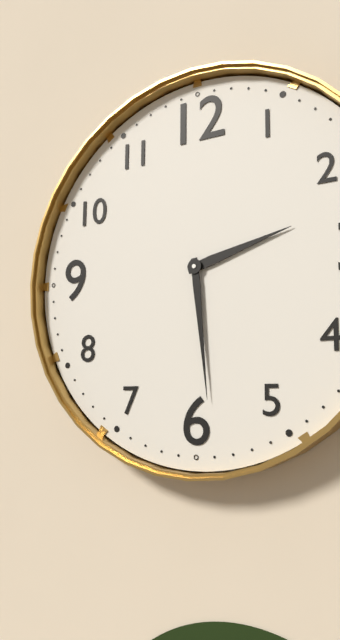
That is 2:29
